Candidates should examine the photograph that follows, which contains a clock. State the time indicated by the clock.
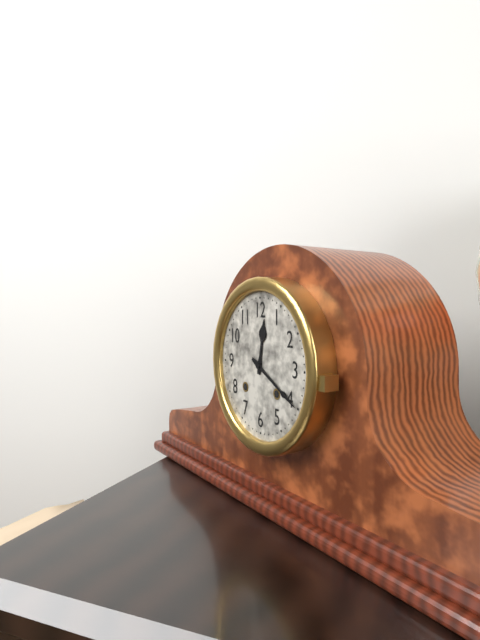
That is 12:20
